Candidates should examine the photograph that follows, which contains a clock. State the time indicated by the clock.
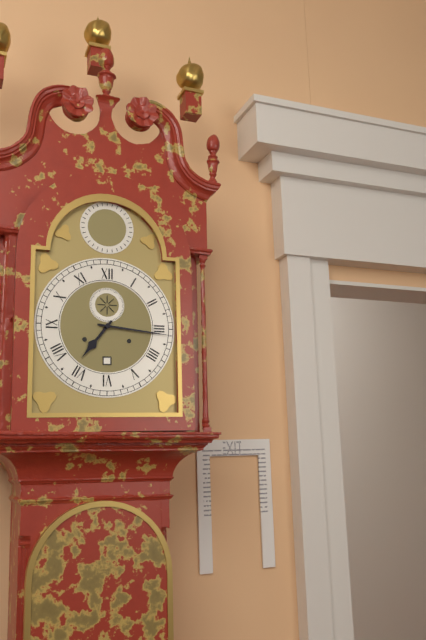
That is 7:16
